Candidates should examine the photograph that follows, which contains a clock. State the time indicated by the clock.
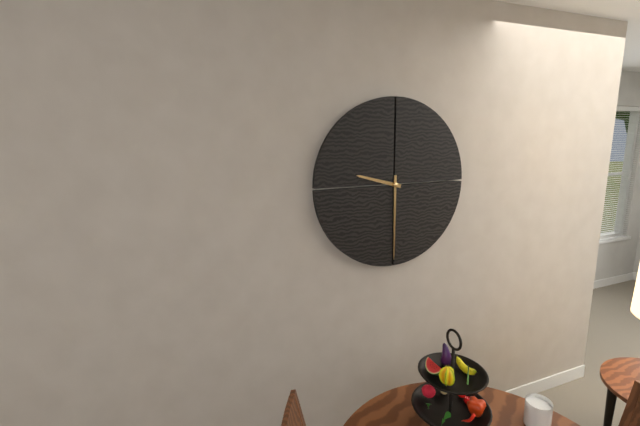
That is 9:30
